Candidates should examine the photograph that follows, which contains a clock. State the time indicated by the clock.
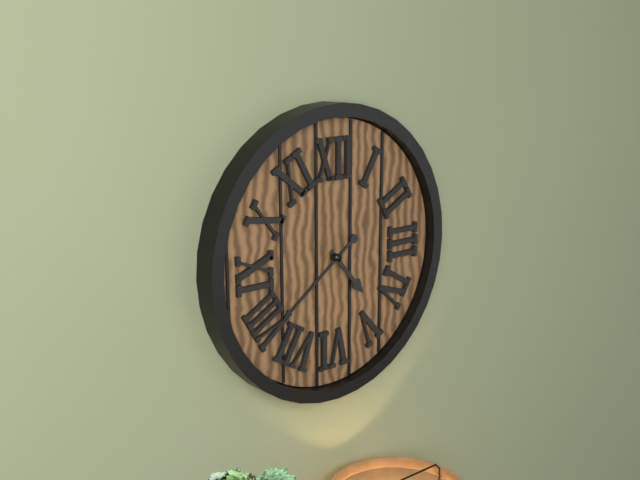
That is 4:39
